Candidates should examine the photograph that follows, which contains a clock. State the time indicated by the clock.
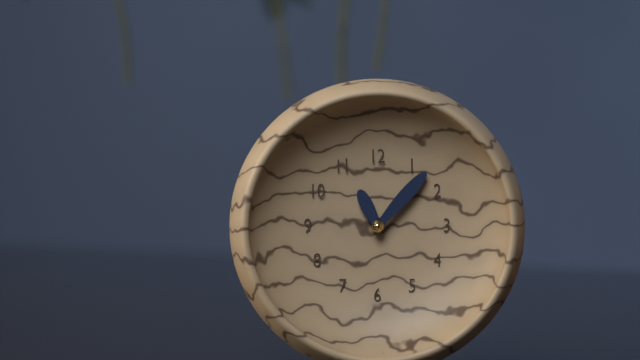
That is 11:07
